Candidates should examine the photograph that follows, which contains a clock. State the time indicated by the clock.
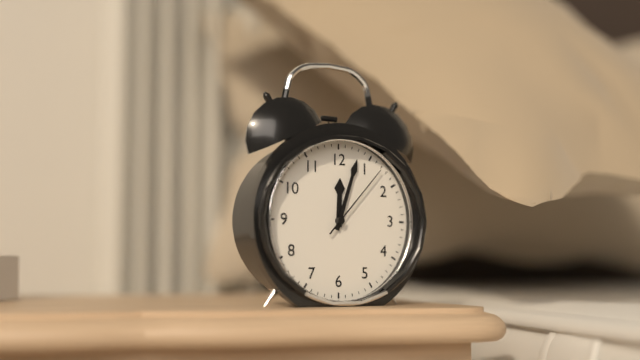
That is 12:03:07
